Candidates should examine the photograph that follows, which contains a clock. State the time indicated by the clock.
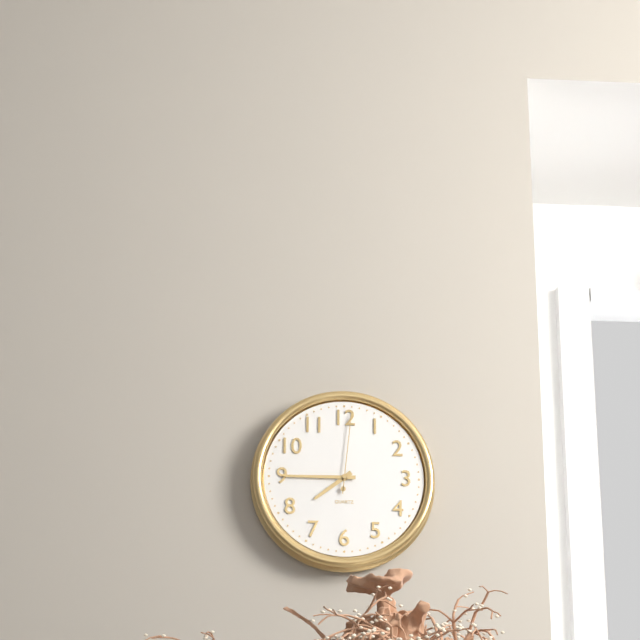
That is 7:45:01
